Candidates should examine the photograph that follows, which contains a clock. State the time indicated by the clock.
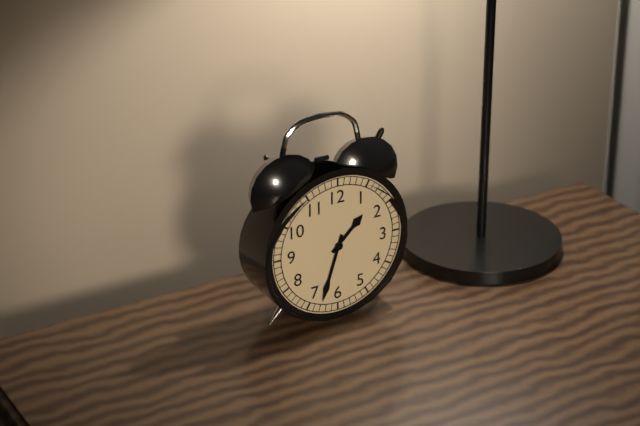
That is 1:33
